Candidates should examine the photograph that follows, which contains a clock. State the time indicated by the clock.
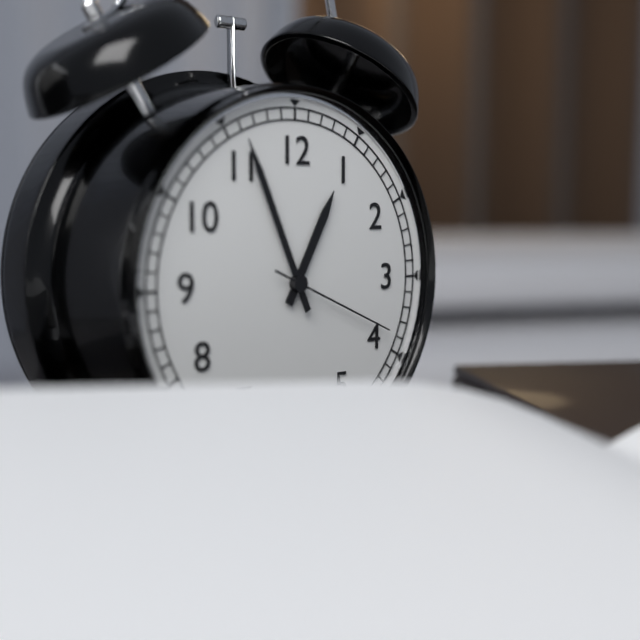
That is 12:56:19
